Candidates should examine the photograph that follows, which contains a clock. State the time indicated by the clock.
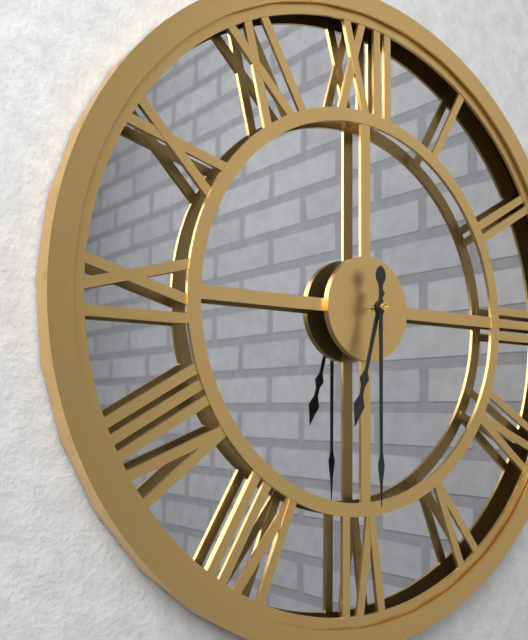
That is 6:30
